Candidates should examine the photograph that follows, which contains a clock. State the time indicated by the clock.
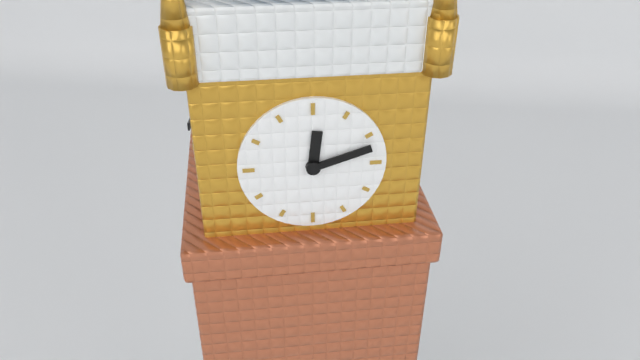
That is 12:12
